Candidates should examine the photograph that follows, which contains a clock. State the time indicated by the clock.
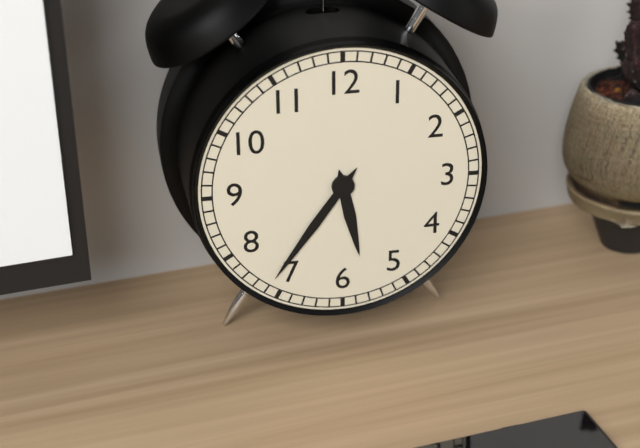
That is 5:36
